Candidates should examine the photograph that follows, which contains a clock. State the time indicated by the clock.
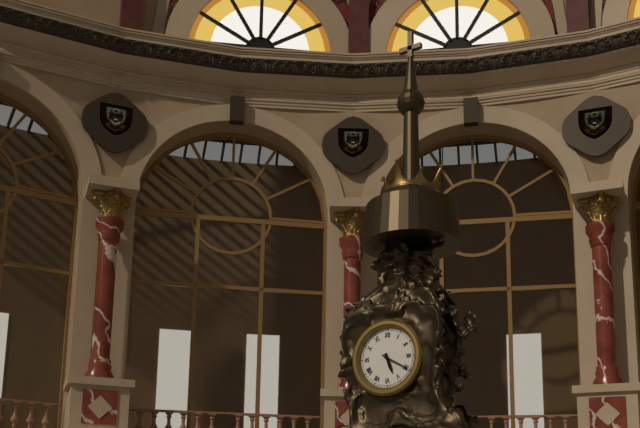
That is 5:20
